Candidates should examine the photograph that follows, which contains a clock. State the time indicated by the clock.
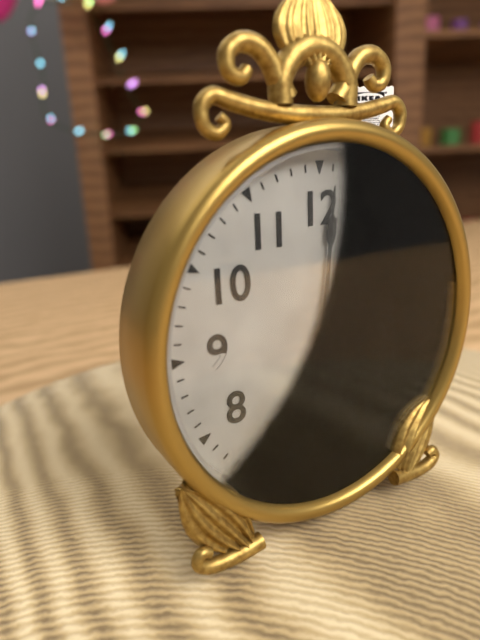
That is 1:01
